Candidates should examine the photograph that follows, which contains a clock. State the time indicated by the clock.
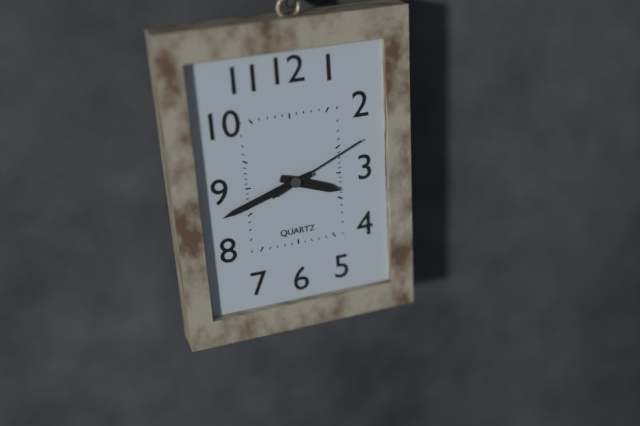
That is 3:42:11
